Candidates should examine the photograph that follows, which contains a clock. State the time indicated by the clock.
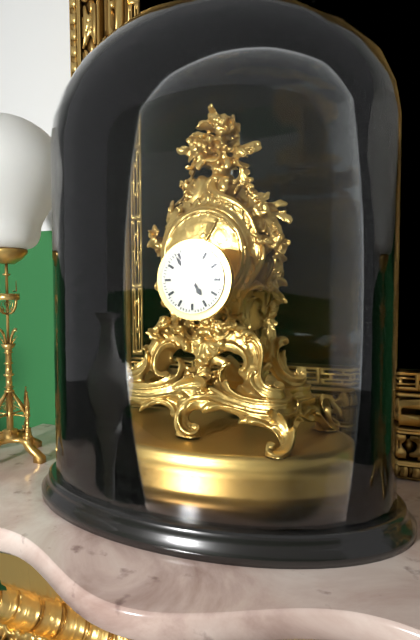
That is 4:54
